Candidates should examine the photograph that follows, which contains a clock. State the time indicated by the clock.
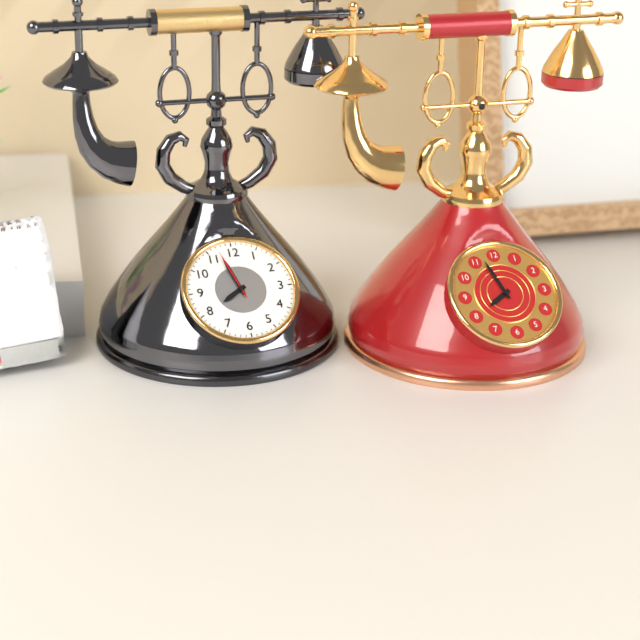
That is 7:57:57
